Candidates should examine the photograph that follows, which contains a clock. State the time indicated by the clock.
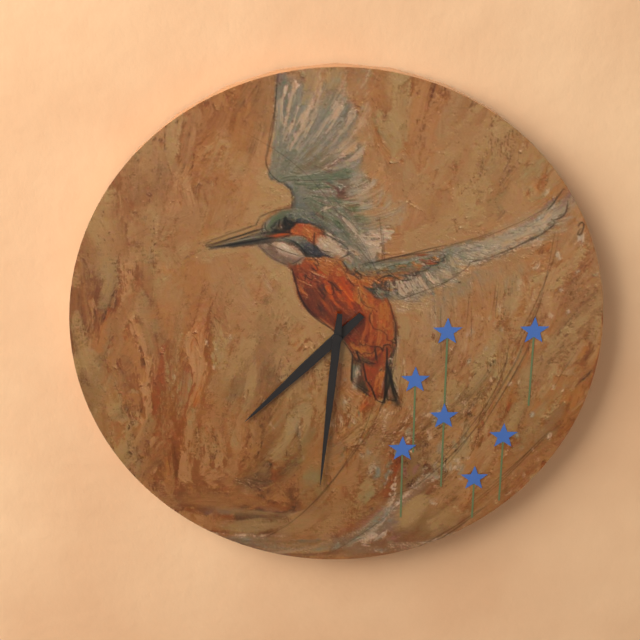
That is 7:31
